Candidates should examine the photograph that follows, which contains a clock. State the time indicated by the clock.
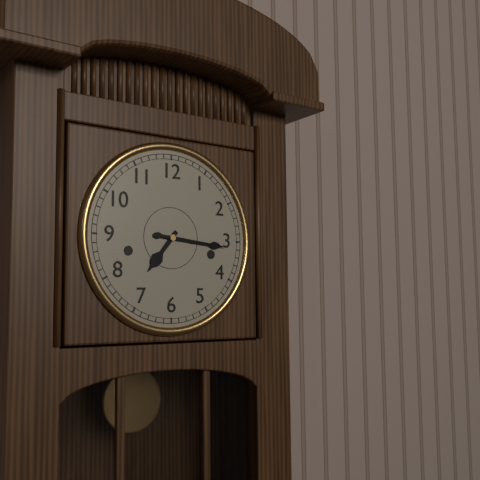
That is 7:16
